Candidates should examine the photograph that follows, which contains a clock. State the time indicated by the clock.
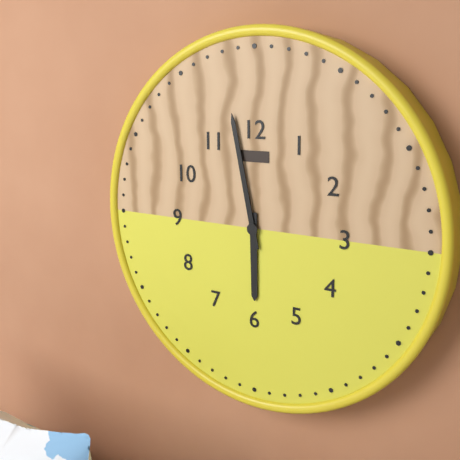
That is 5:58
